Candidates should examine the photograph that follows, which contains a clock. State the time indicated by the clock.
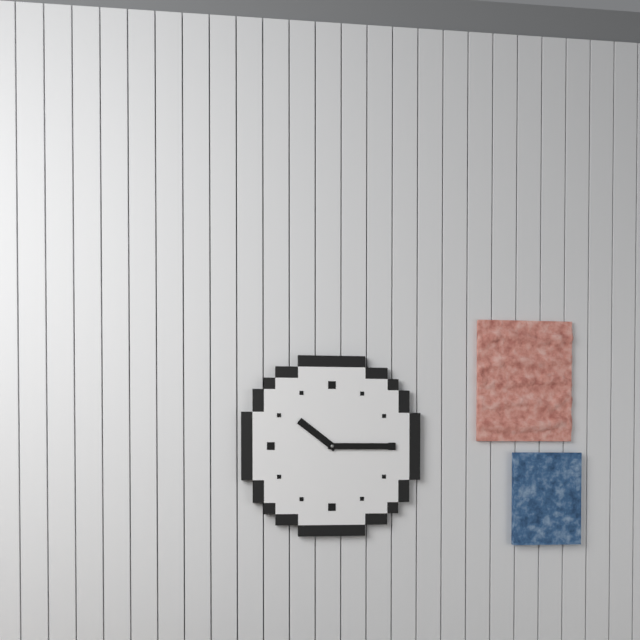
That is 10:15
